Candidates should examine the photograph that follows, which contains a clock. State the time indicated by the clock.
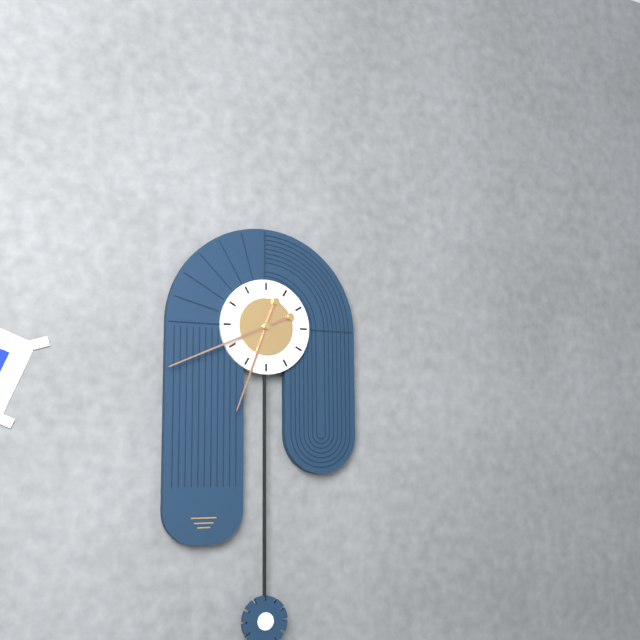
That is 6:41
